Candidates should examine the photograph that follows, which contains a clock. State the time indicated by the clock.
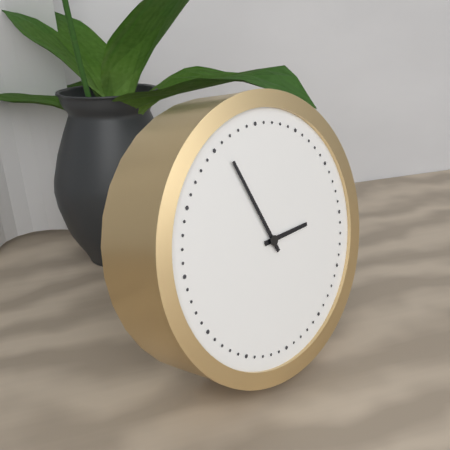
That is 2:56
